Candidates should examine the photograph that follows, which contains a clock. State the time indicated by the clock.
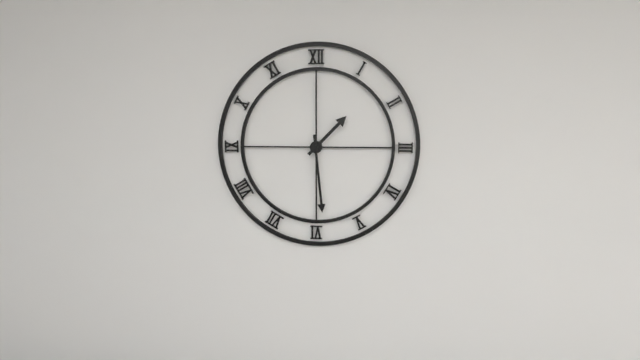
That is 1:29
